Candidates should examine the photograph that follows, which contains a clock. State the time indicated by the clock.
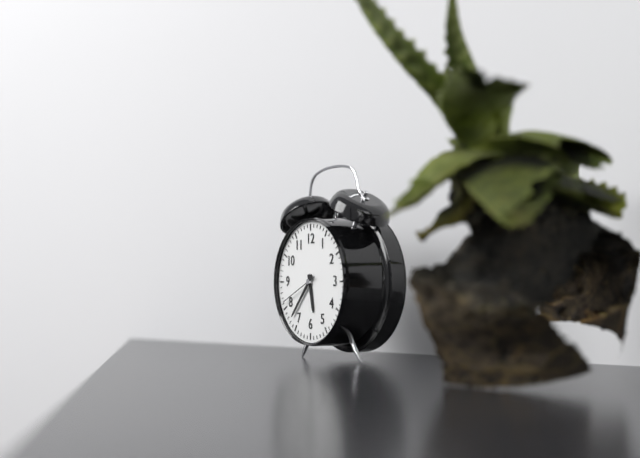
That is 5:37
